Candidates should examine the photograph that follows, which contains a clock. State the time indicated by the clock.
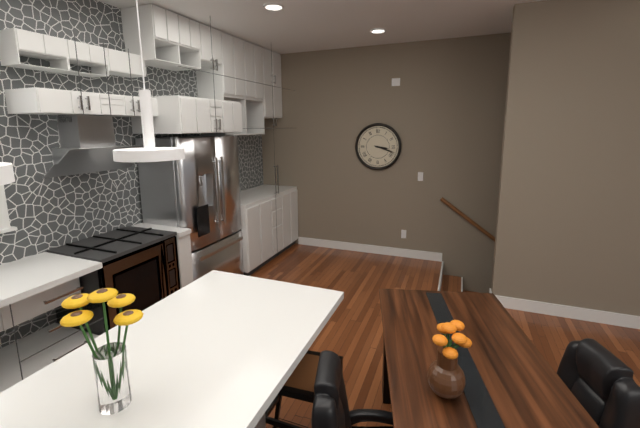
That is 3:18
